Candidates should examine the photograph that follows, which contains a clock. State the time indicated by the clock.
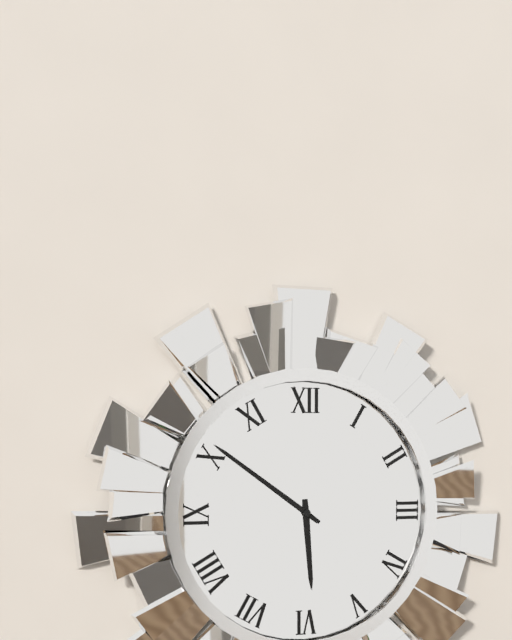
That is 5:51
